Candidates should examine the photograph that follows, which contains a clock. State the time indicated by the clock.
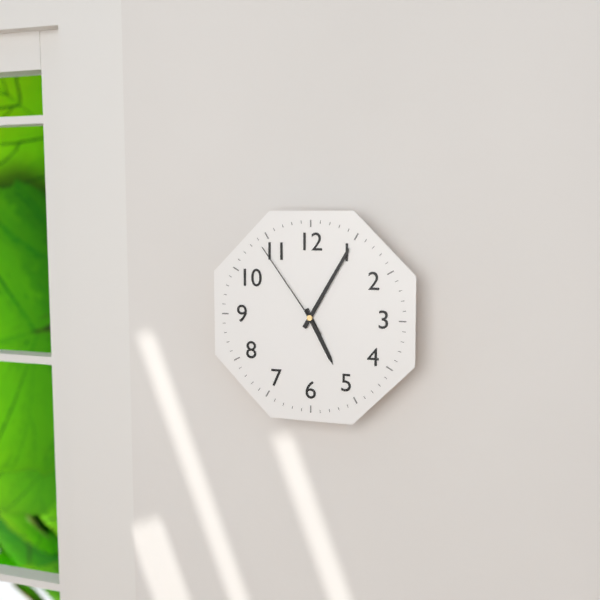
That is 5:05:54
